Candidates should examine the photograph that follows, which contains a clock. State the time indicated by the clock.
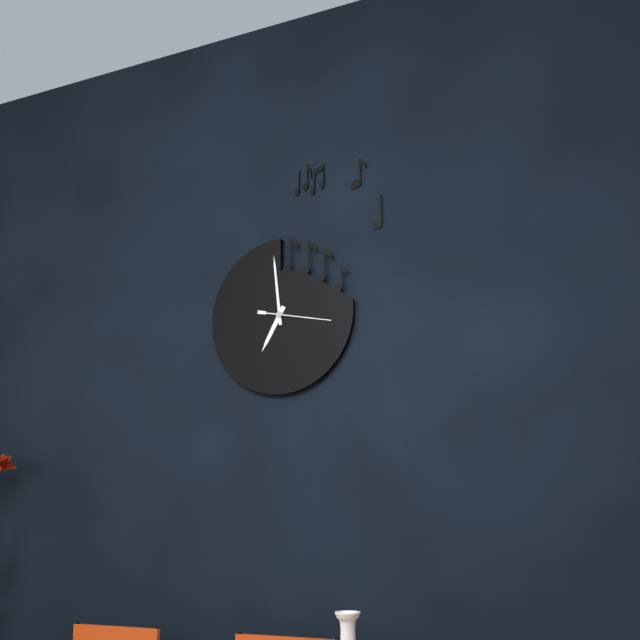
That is 6:59:17
